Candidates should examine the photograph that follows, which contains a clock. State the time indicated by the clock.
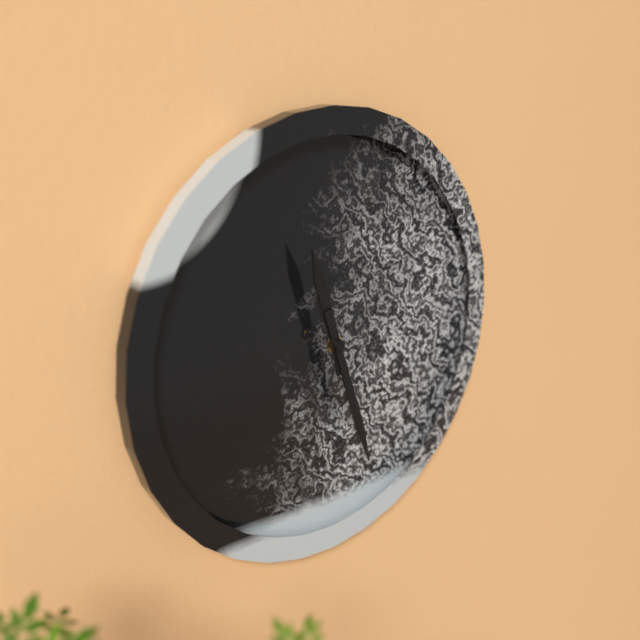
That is 11:27
